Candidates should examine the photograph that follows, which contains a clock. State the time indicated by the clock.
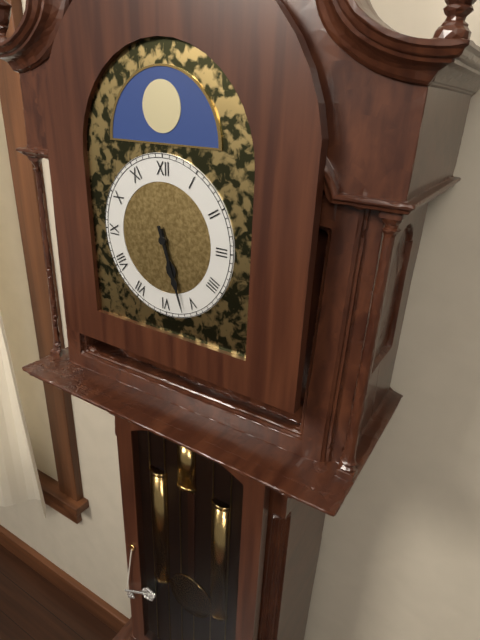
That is 5:27
